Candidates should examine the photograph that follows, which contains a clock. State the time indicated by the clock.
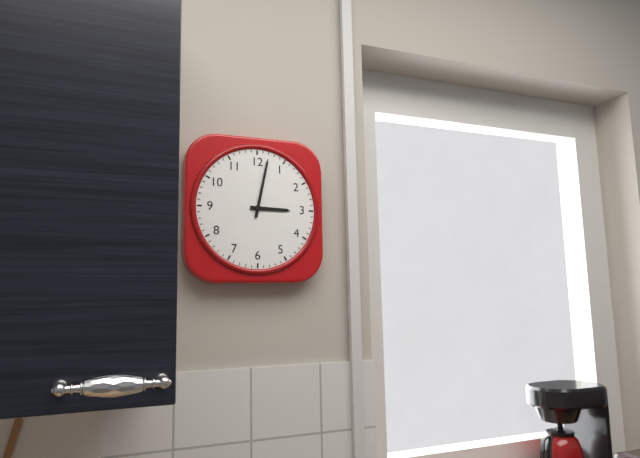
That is 3:02
